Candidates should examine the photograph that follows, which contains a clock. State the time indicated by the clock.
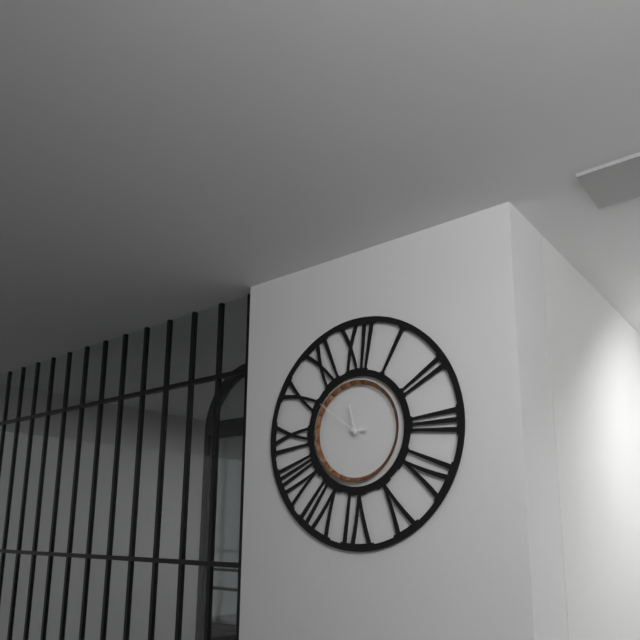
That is 2:58:51
